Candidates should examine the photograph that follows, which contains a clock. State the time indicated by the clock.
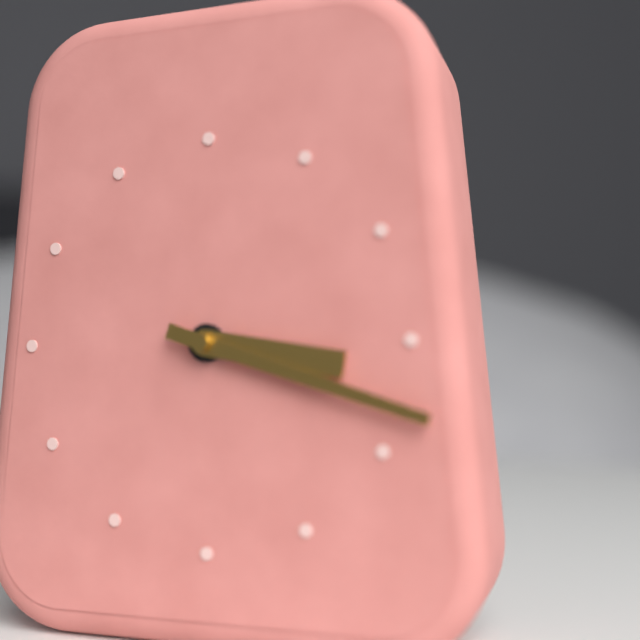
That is 3:18
